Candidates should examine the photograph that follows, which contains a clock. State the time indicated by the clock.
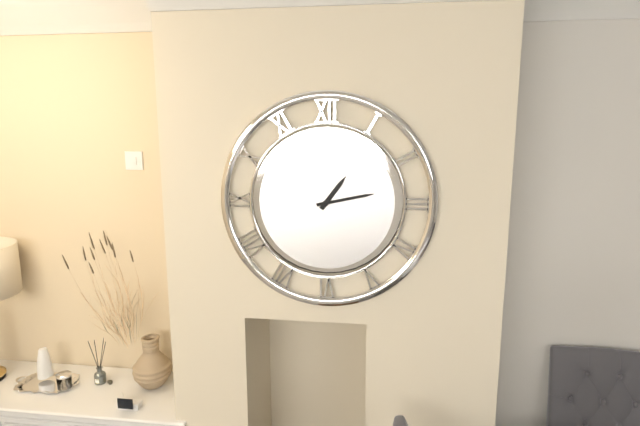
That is 1:13
